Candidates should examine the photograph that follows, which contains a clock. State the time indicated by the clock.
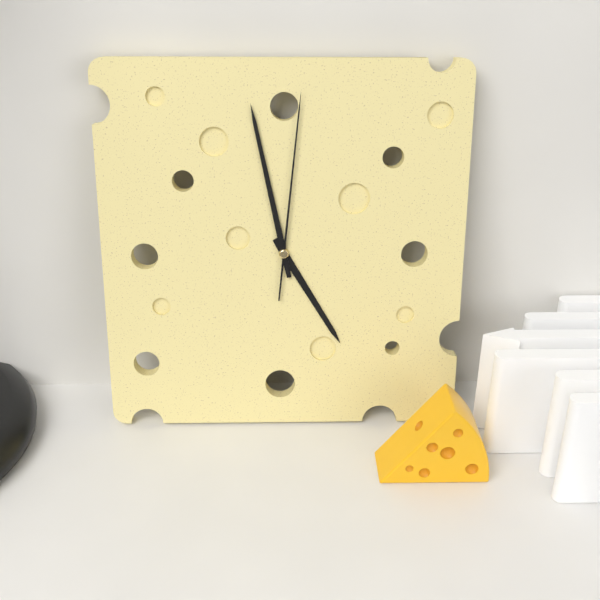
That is 4:58:01
